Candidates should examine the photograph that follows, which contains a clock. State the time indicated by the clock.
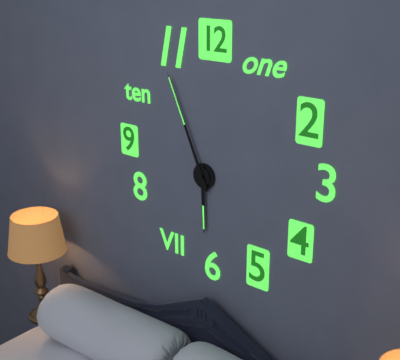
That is 5:56
